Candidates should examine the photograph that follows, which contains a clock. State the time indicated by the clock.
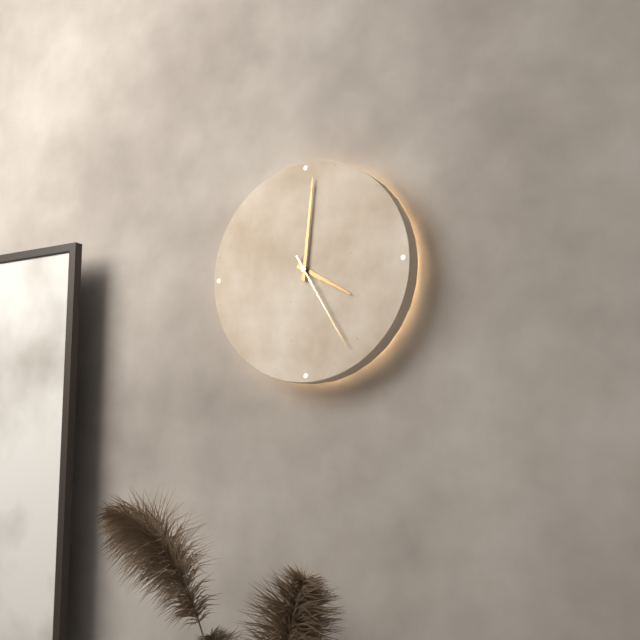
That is 4:01:25
